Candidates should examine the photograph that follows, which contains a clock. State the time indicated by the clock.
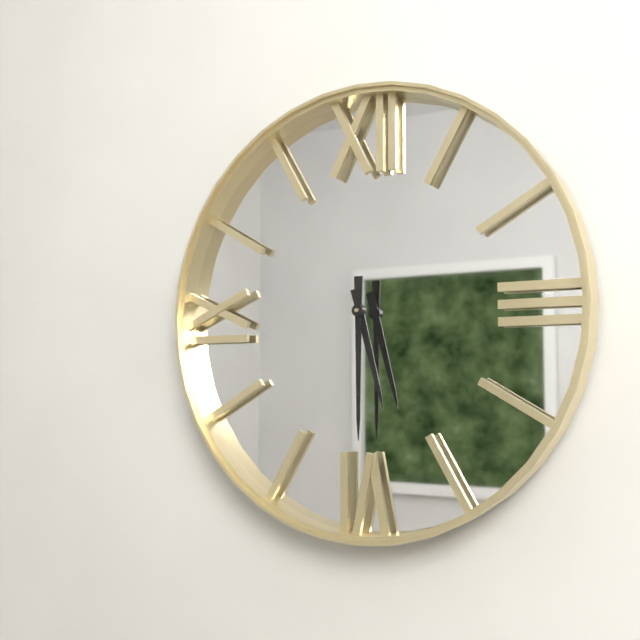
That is 5:30
